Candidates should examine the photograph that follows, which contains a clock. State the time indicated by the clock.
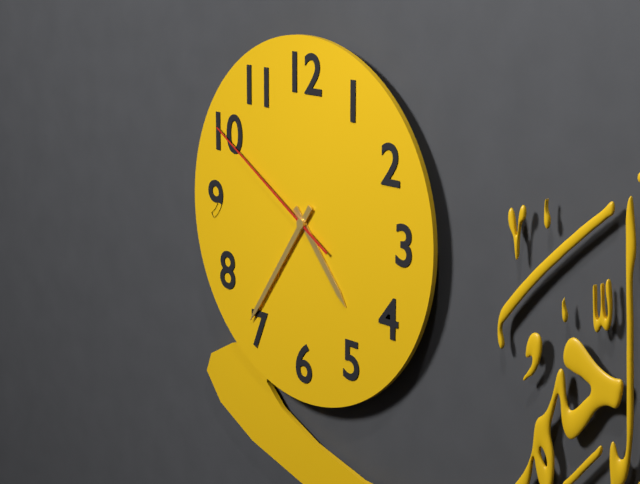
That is 4:36:50
